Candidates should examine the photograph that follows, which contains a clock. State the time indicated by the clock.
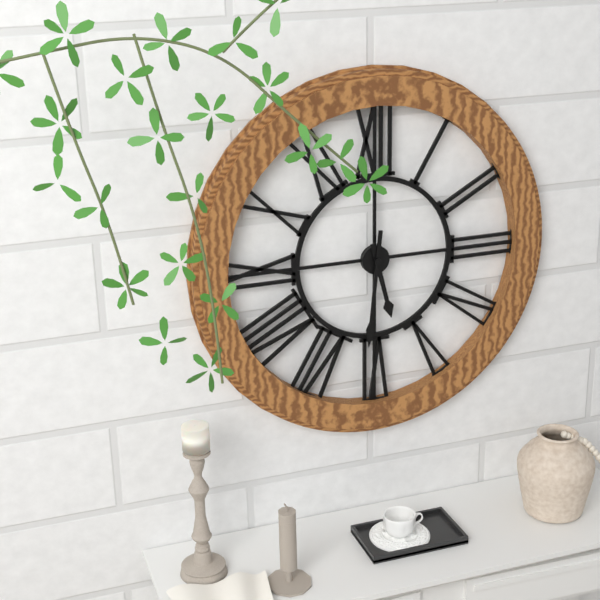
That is 5:31
